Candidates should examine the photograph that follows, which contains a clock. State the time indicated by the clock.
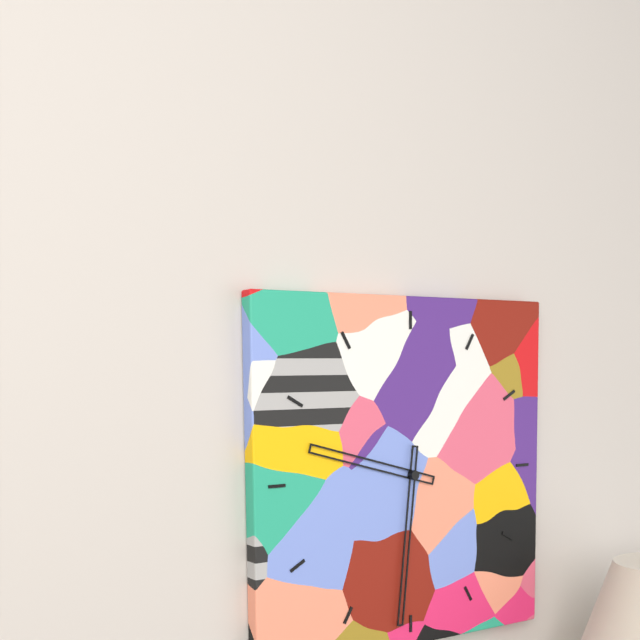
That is 9:31
